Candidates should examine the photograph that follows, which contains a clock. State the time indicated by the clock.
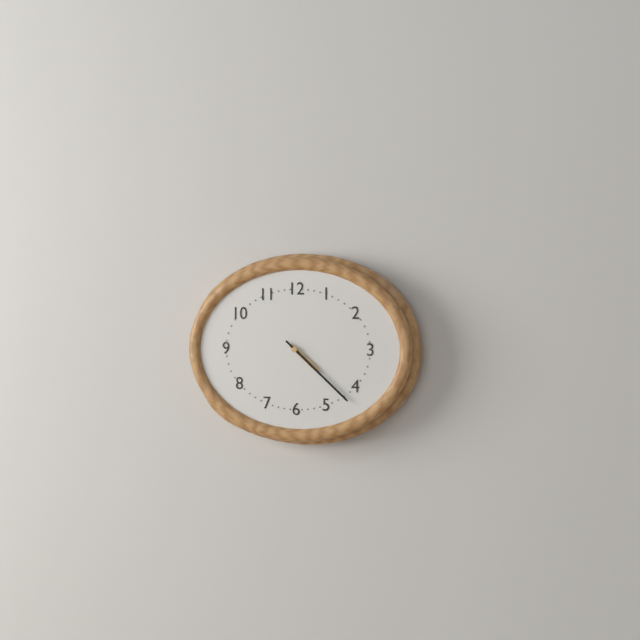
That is 4:22
